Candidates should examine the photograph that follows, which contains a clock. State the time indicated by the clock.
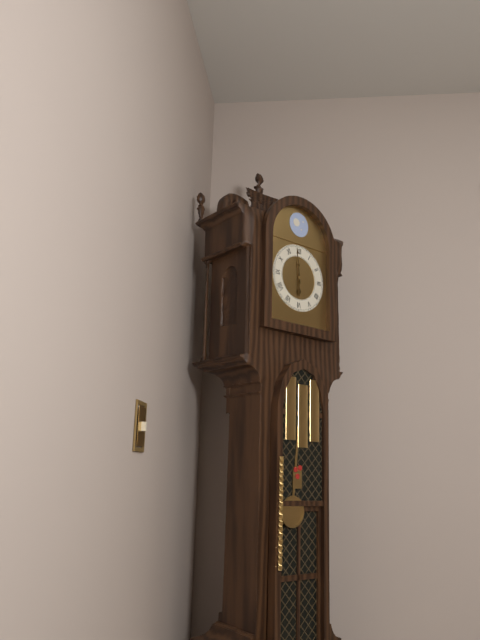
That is 5:59
